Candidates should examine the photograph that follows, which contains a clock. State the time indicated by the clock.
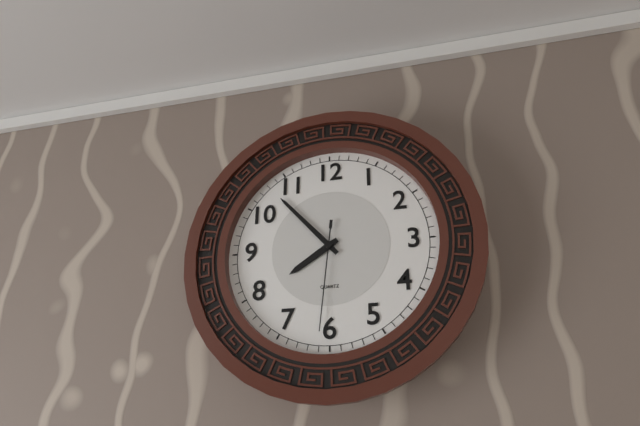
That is 7:53:31
